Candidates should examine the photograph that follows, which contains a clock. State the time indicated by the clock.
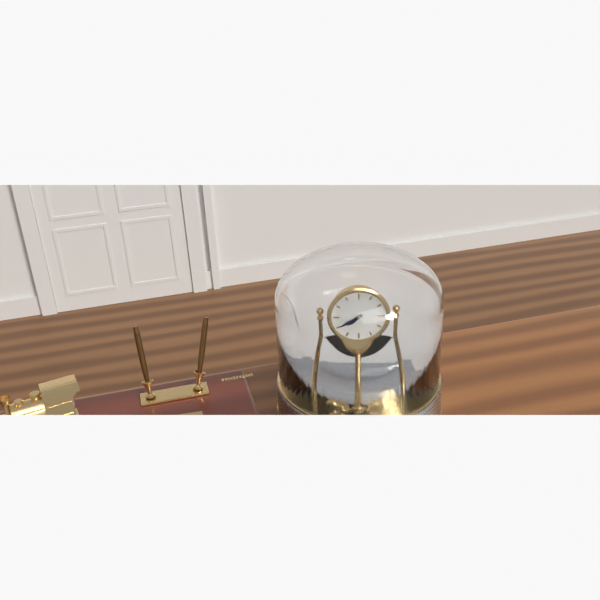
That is 7:40
